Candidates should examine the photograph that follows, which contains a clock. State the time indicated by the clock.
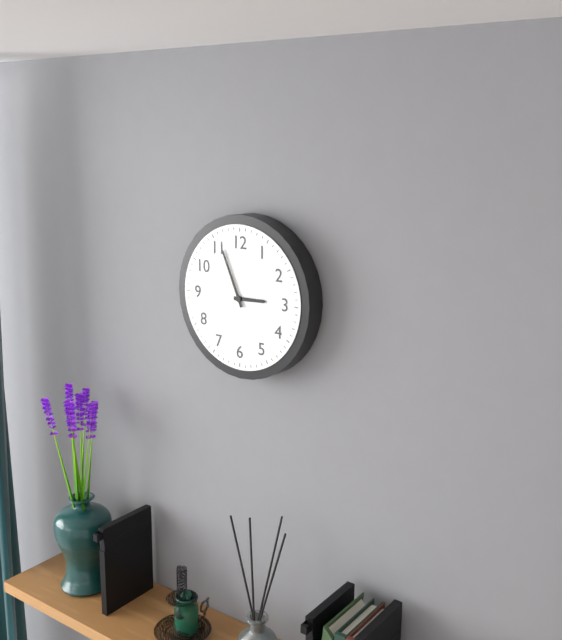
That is 2:56
